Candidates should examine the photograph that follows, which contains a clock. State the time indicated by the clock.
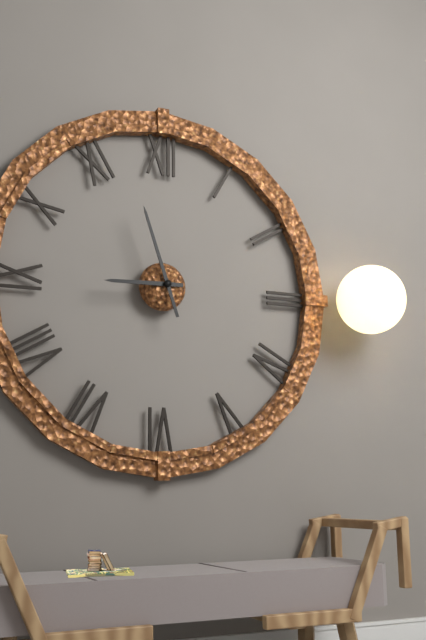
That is 8:57
